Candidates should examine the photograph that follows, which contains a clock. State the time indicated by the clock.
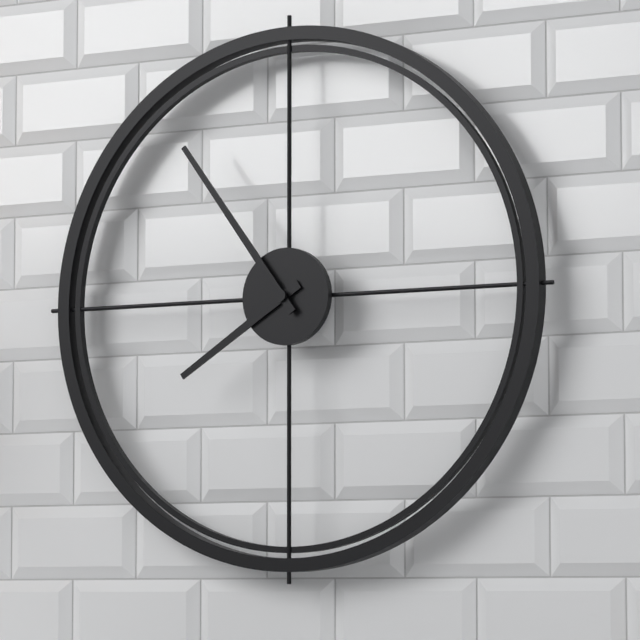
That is 7:54
